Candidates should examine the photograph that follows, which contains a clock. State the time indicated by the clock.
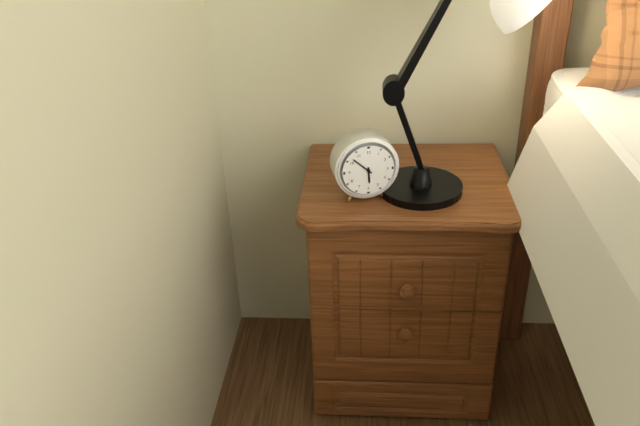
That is 5:52
